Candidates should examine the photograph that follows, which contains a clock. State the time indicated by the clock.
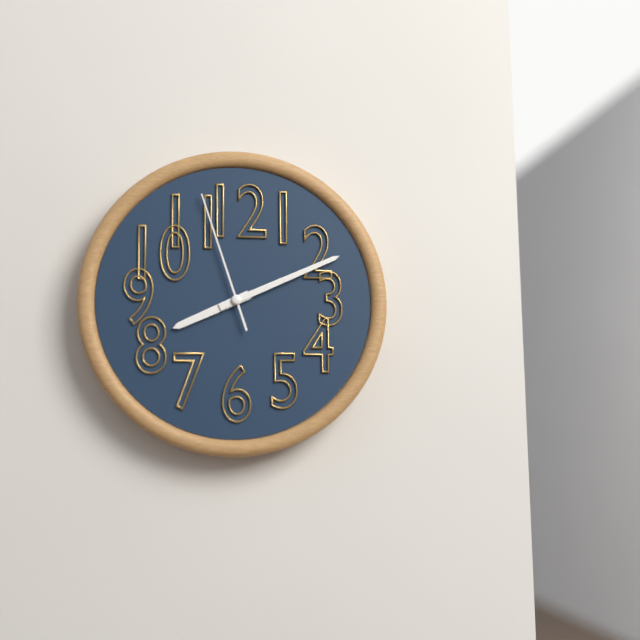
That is 8:11:57
